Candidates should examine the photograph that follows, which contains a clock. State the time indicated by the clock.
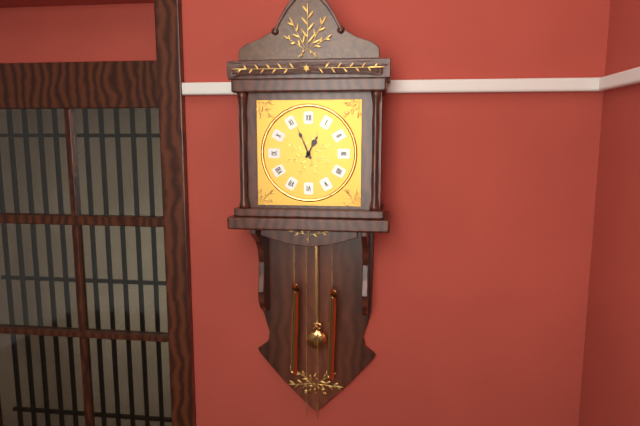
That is 12:56
